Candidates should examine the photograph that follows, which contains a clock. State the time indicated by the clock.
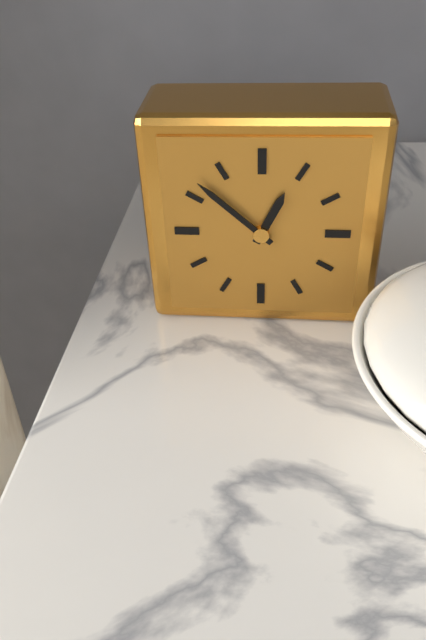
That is 12:52
